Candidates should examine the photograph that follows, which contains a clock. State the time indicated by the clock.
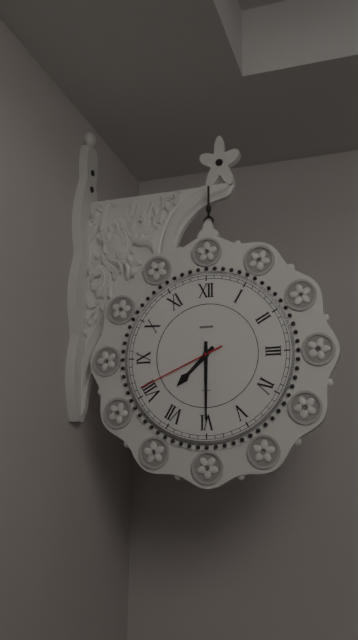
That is 7:30:41
